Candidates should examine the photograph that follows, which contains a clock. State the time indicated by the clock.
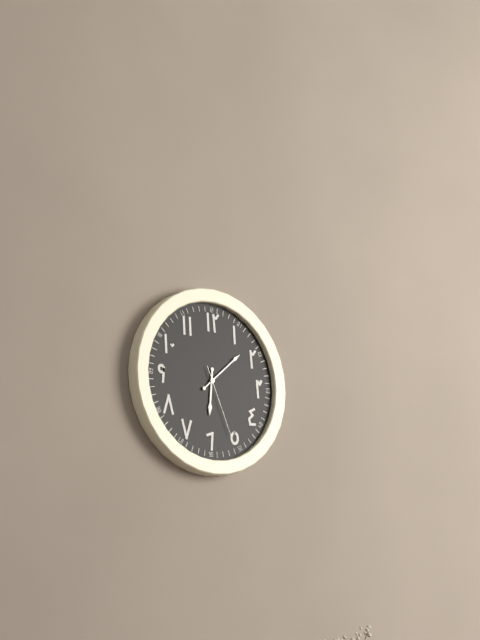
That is 6:08:26
